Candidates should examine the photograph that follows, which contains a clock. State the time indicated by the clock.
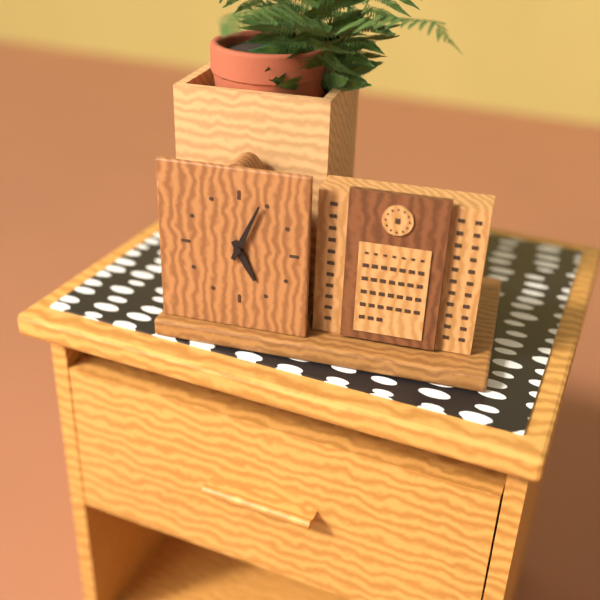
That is 5:04
